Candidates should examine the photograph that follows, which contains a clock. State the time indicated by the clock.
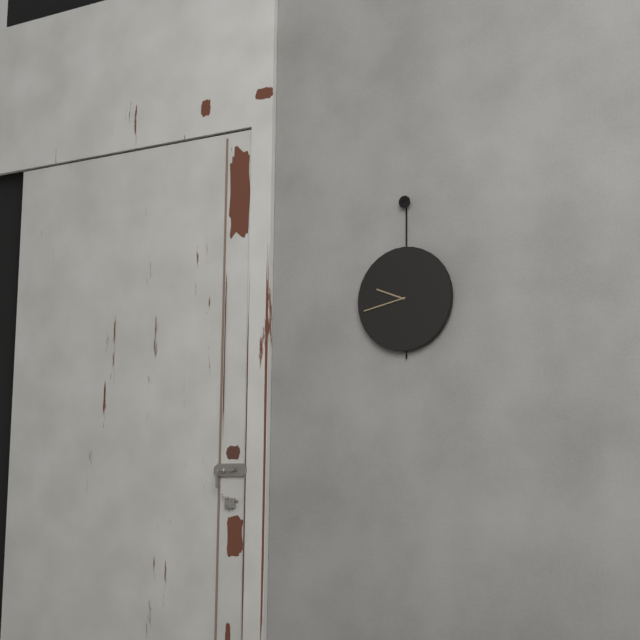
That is 9:43
